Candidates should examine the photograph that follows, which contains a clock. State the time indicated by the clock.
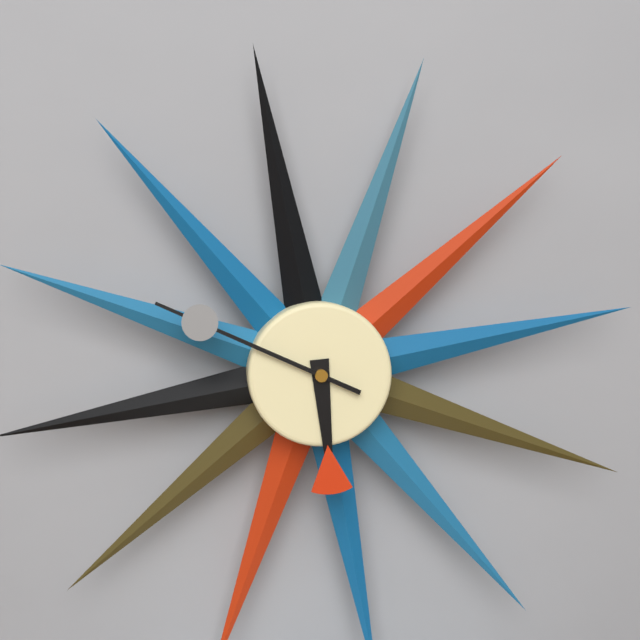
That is 5:49
